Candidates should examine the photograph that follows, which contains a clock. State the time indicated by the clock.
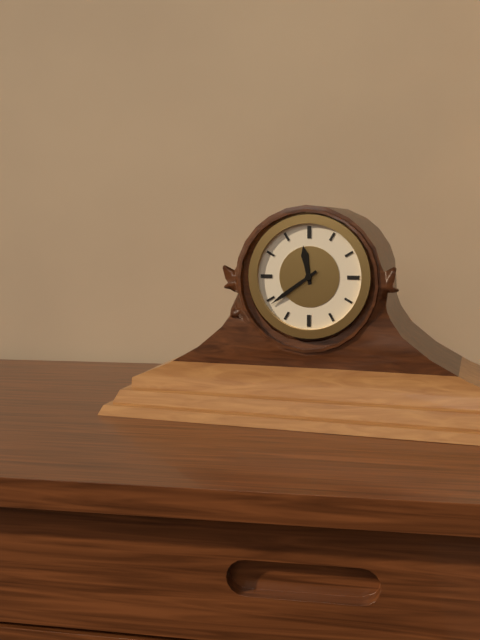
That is 11:39
